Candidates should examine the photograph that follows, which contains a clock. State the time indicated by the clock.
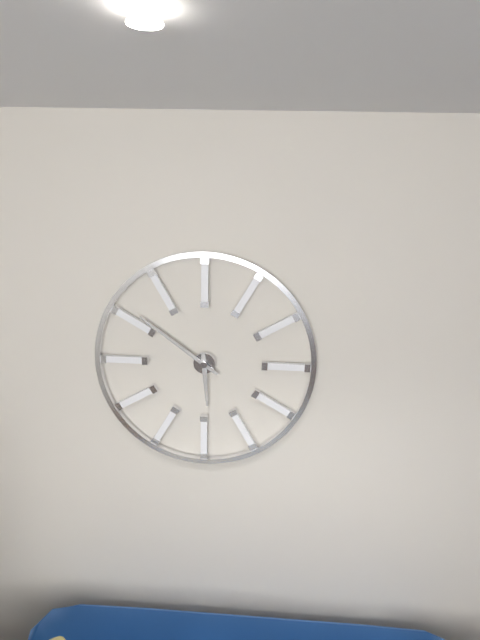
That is 5:51
